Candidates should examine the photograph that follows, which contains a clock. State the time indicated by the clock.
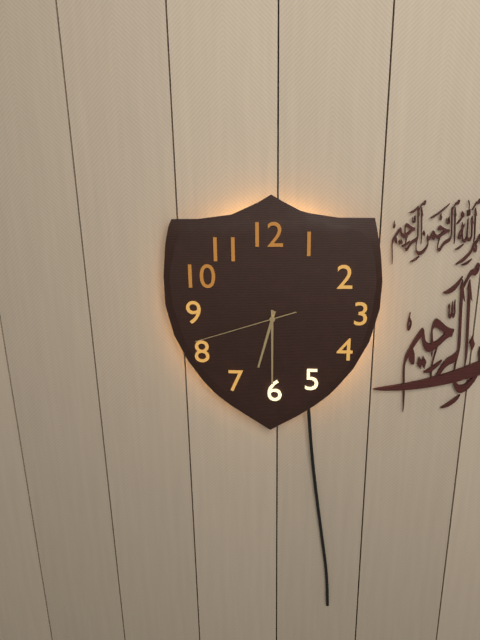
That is 6:30:42
